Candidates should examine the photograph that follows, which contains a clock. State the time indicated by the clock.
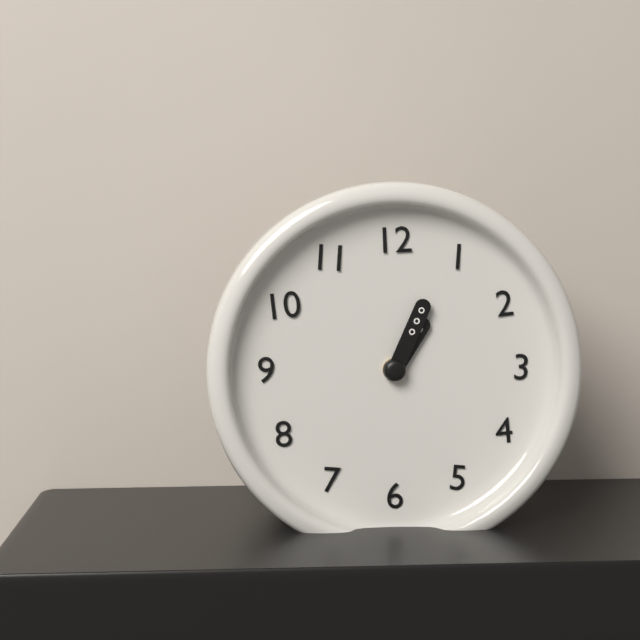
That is 1:04
